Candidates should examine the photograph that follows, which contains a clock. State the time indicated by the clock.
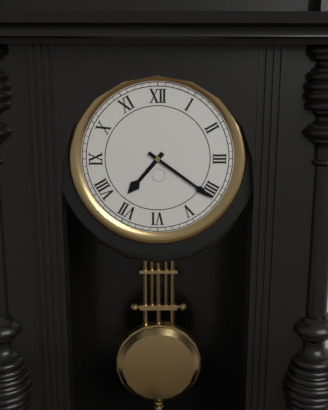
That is 7:21
